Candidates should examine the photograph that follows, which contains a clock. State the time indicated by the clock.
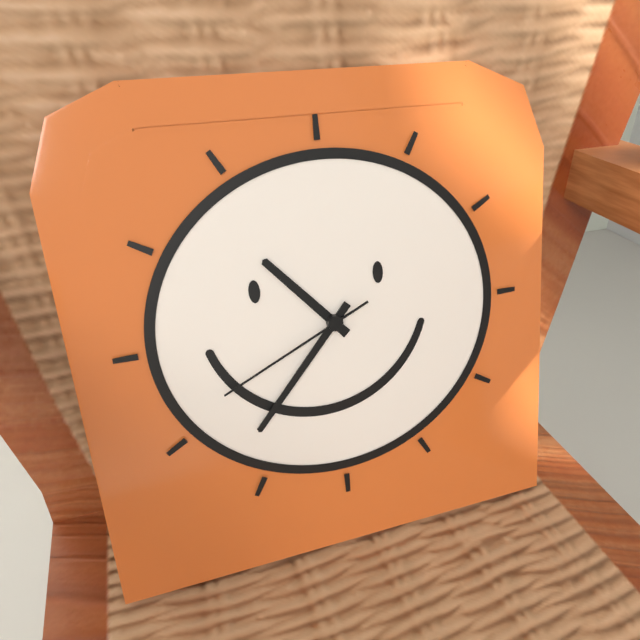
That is 10:37:41
